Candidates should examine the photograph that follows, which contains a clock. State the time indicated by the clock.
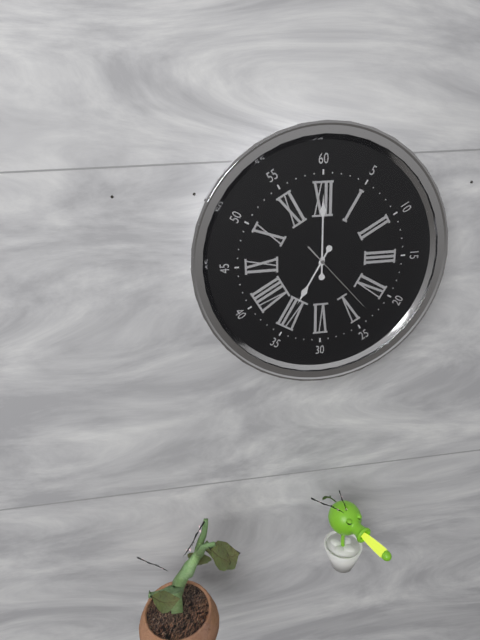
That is 7:00:23
